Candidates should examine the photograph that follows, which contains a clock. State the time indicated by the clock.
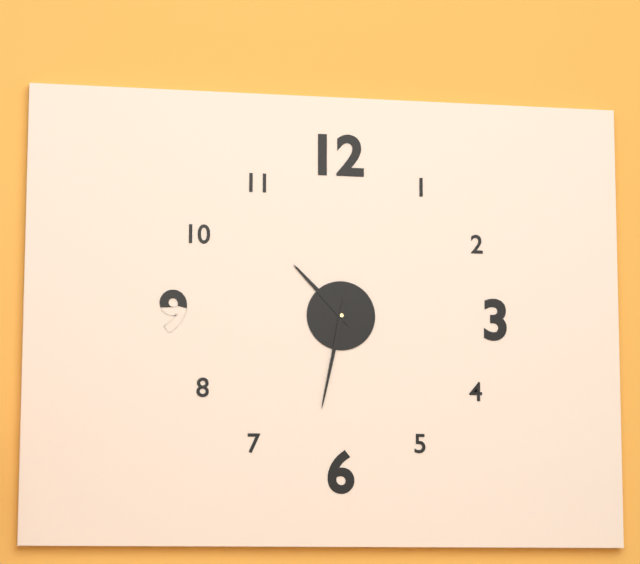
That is 10:32
